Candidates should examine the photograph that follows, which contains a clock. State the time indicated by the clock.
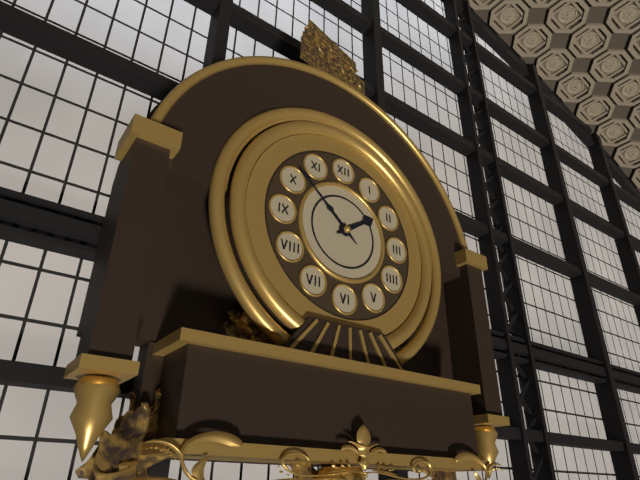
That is 1:52
